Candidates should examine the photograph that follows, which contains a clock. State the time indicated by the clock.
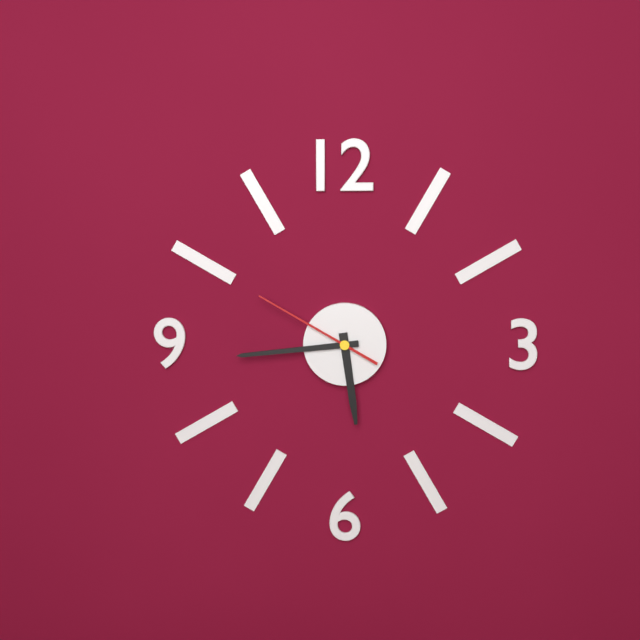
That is 5:44:50
